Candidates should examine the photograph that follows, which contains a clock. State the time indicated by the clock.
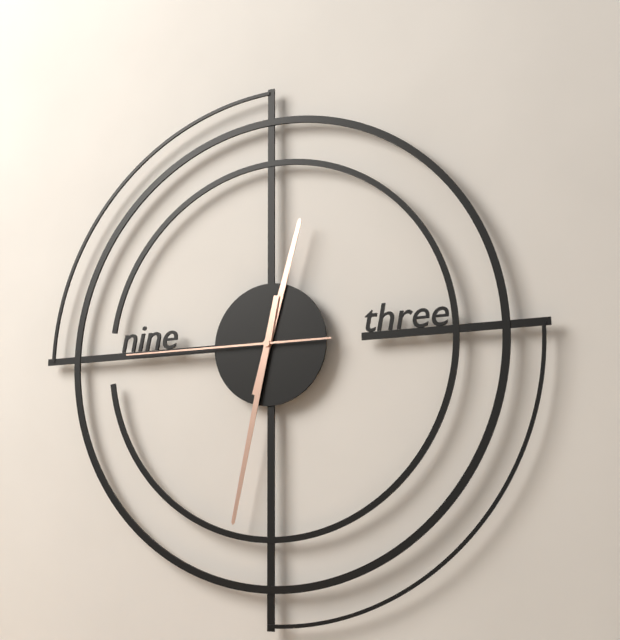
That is 12:32:45
